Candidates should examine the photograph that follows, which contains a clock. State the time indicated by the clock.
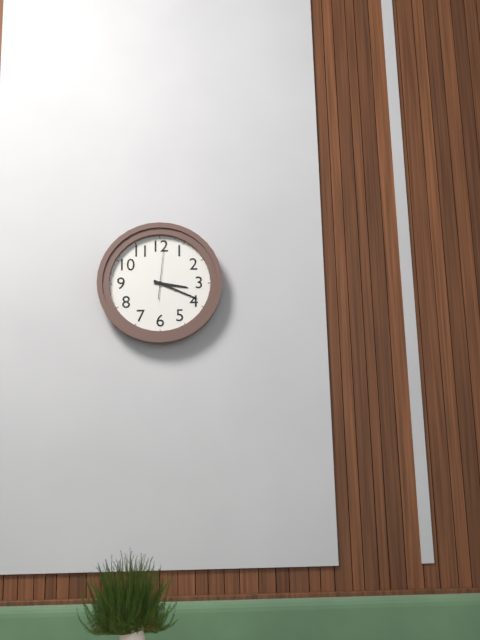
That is 3:19
